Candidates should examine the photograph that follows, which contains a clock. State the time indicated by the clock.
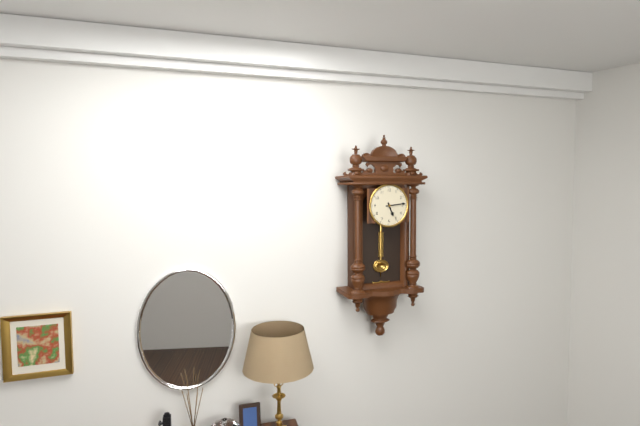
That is 5:14
